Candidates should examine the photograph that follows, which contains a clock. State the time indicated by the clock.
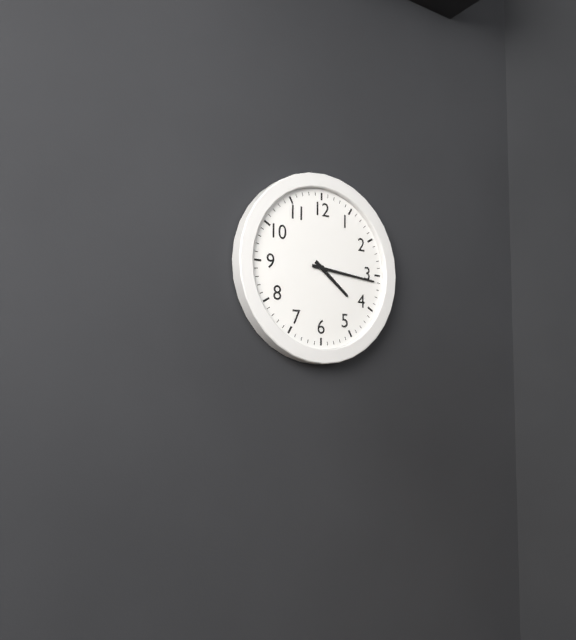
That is 4:16
